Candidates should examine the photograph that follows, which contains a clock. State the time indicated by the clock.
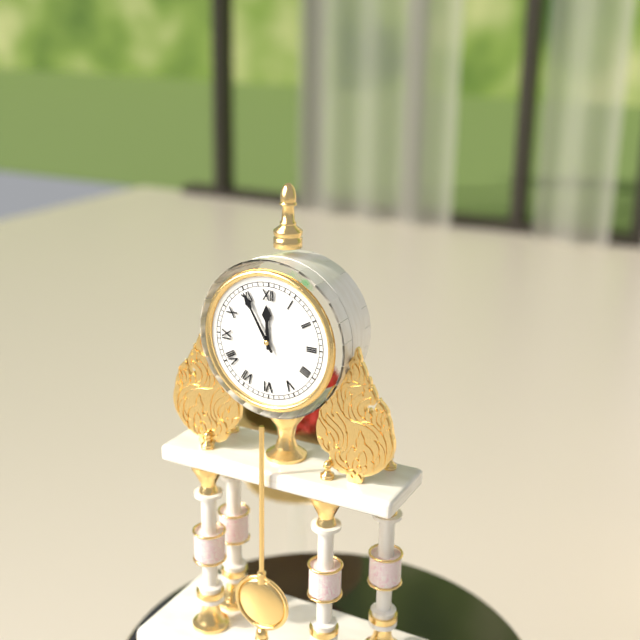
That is 11:55
